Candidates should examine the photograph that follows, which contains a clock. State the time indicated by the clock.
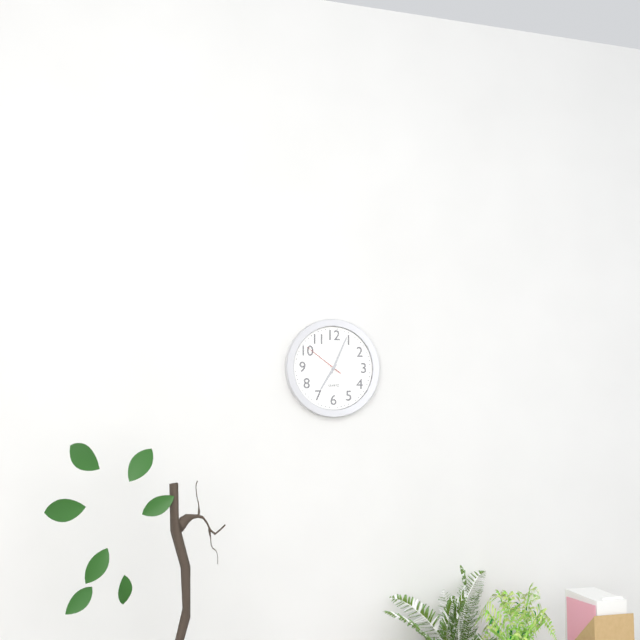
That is 7:04
